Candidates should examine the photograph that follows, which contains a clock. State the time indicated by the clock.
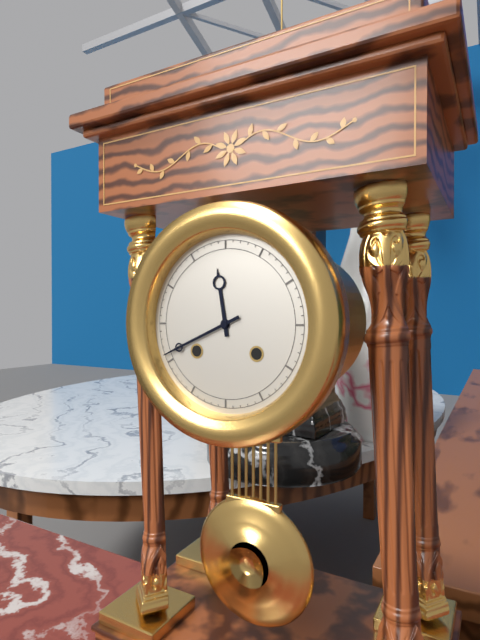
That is 11:41
